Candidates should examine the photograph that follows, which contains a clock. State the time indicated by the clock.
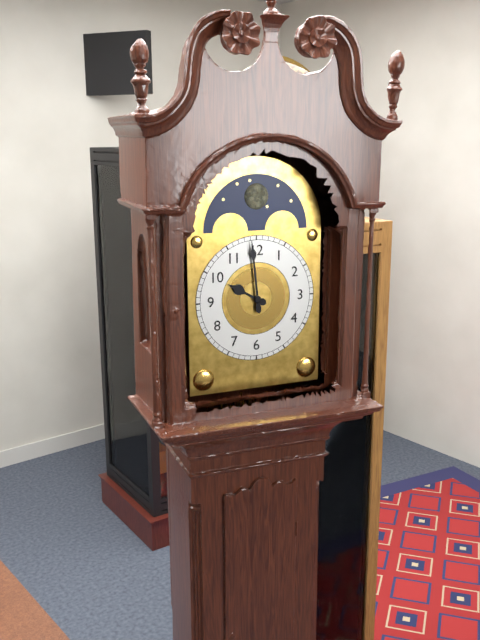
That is 9:59
